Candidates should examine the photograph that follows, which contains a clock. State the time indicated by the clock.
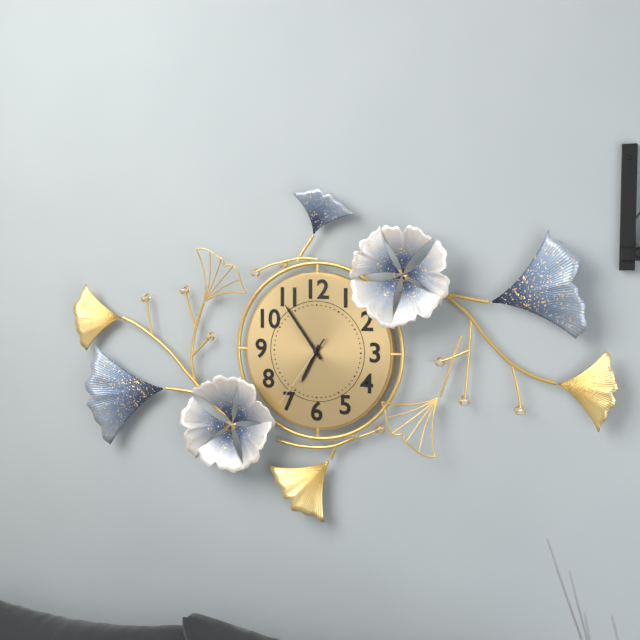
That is 6:54:36
